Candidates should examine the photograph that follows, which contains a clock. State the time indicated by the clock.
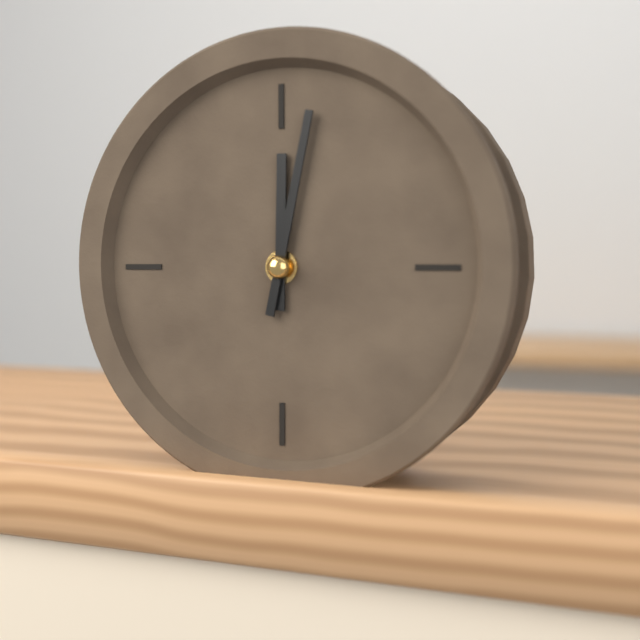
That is 12:02
